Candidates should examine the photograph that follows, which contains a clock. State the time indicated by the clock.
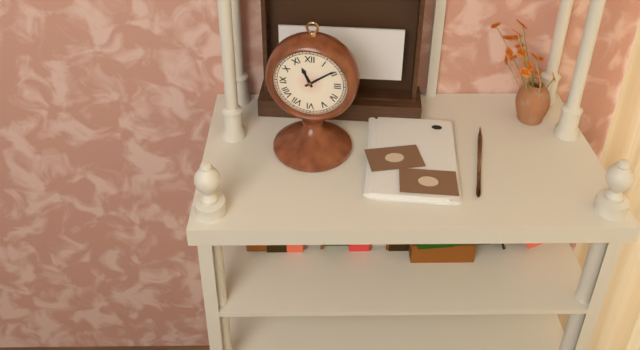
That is 11:09
